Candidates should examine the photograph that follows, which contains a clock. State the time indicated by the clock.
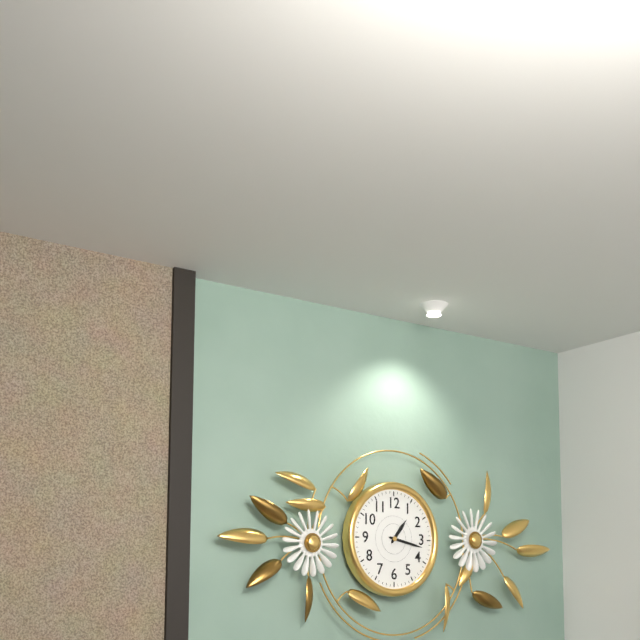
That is 1:17
